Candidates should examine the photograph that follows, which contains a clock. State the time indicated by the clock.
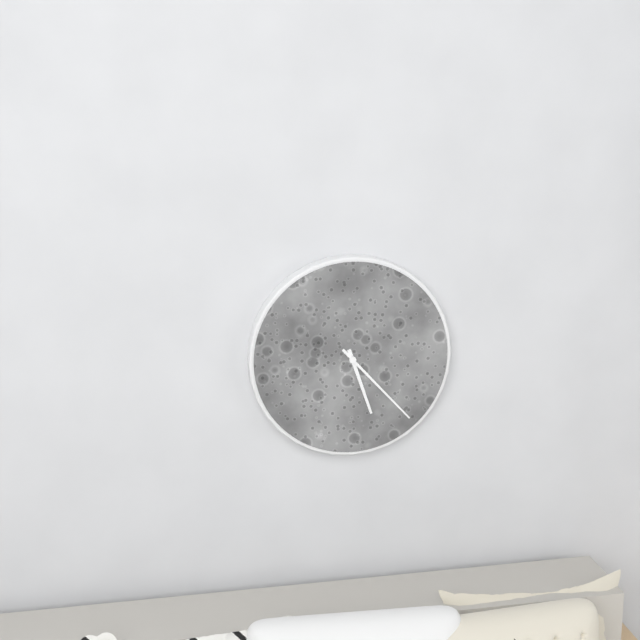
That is 5:23
